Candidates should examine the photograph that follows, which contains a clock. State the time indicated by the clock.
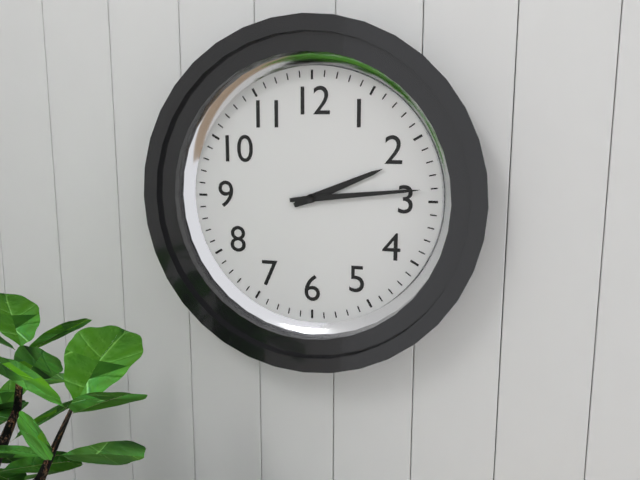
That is 2:14
